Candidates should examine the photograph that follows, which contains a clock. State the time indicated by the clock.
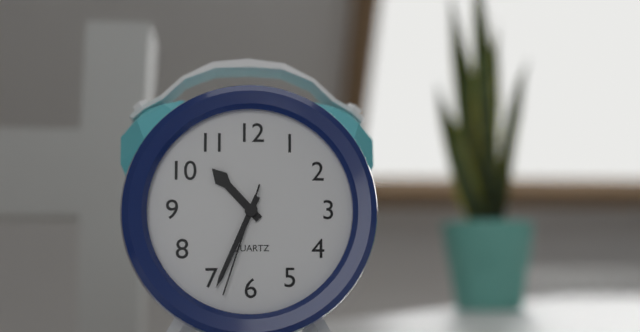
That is 10:34:33
